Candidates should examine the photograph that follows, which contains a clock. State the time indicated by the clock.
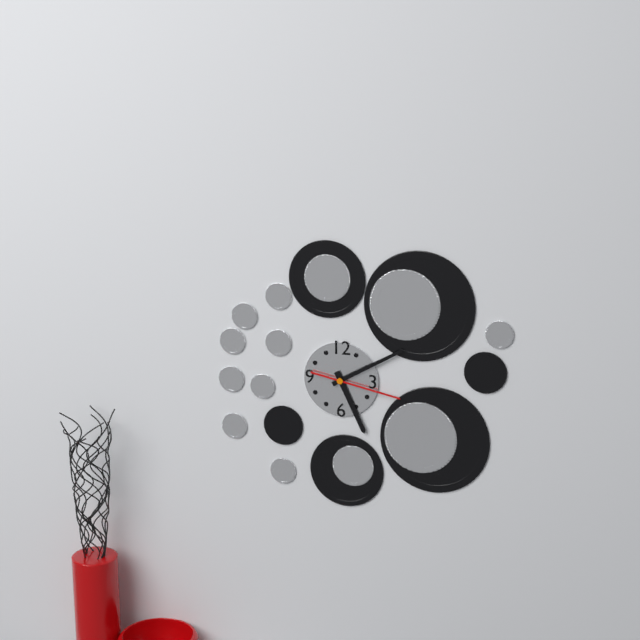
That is 5:10:17
